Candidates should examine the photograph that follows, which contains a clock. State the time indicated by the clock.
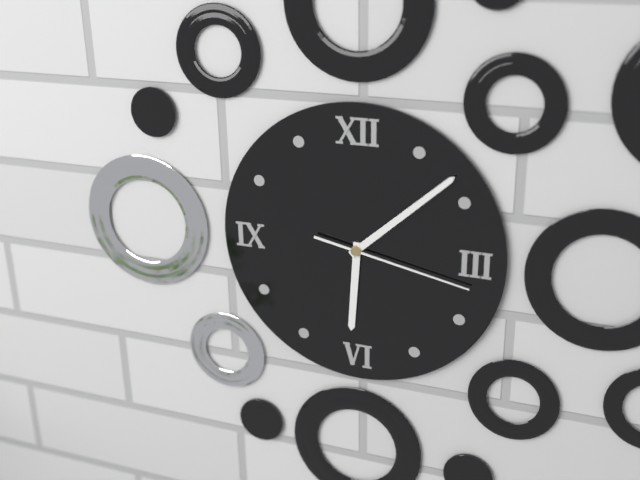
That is 6:08:17
